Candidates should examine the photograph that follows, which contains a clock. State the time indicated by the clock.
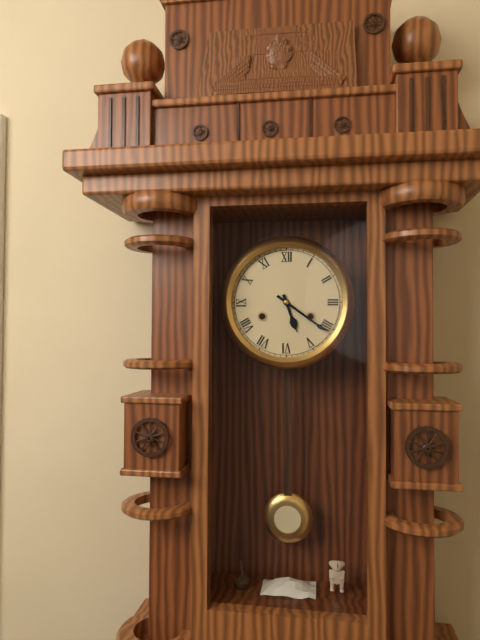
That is 5:21
